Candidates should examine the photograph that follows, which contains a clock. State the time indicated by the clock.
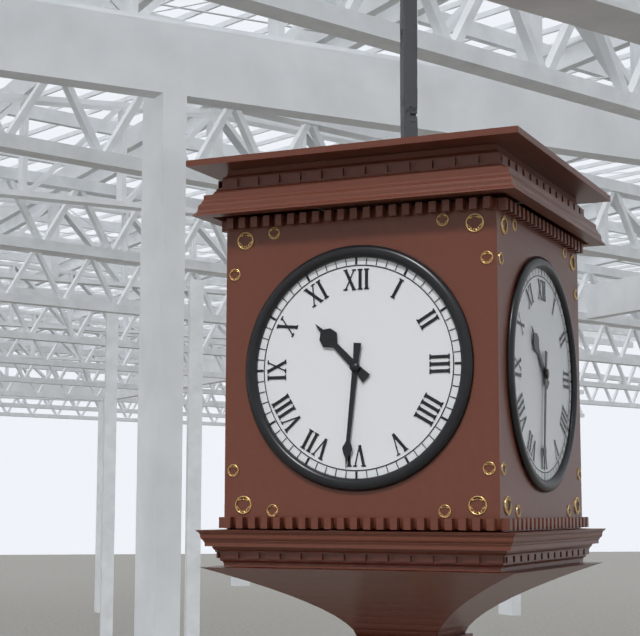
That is 10:31
